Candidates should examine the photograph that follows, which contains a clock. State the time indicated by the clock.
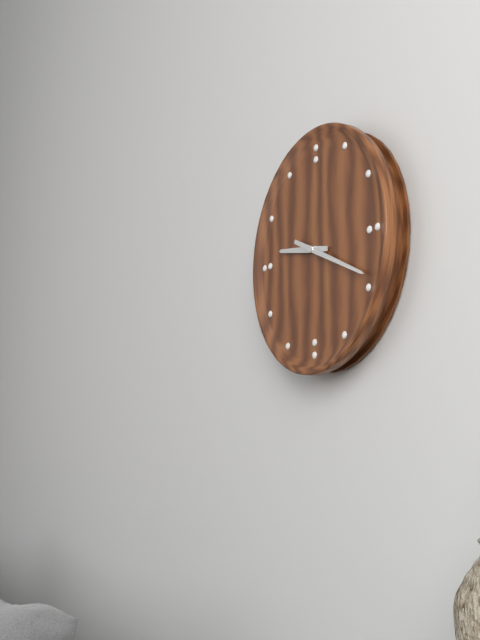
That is 9:19
